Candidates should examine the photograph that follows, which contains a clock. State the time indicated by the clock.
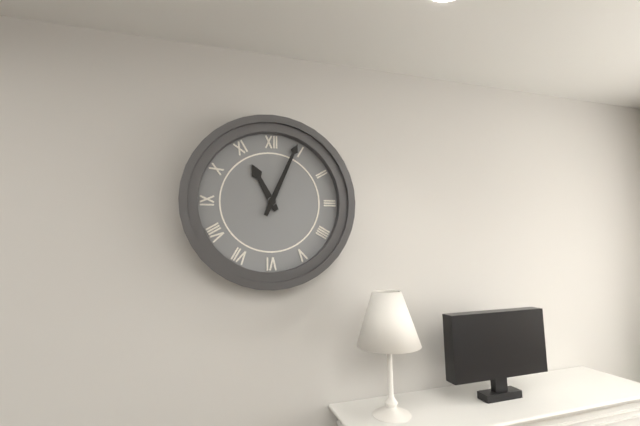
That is 11:04
